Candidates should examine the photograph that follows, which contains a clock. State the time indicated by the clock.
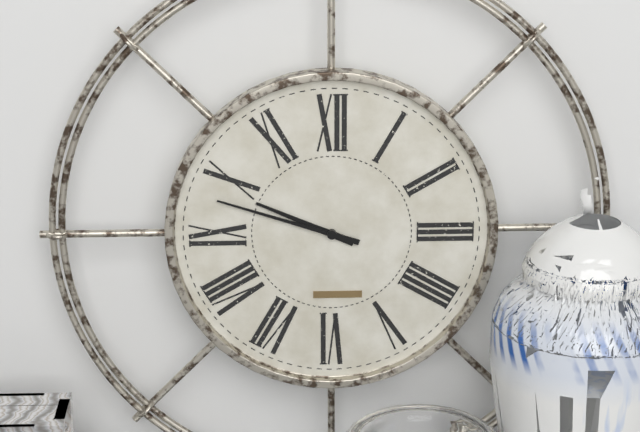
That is 9:48
